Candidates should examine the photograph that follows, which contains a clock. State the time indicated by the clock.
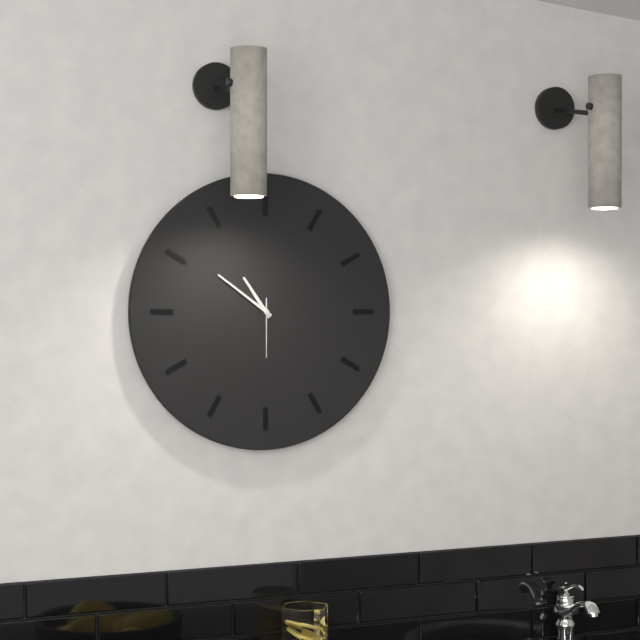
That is 10:51:30
